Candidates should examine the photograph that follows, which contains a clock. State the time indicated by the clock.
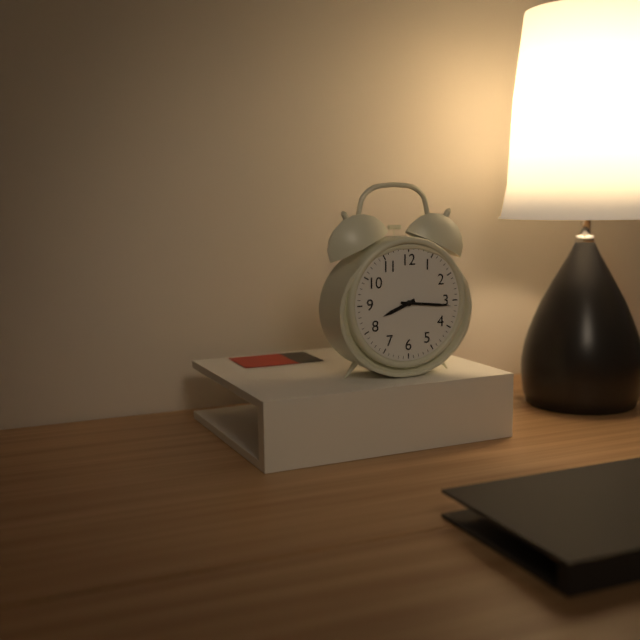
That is 8:16
